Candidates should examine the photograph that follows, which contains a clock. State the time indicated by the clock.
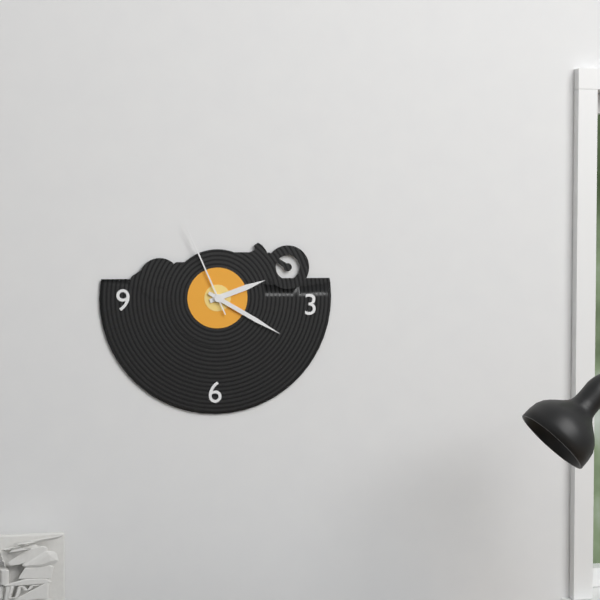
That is 2:20:56
